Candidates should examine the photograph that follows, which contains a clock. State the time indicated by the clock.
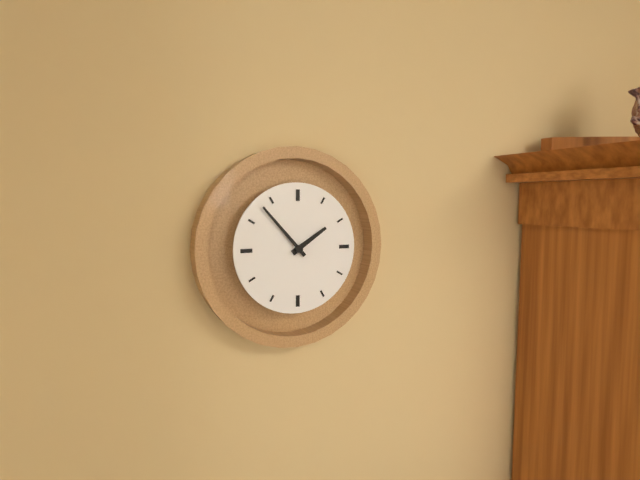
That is 1:53
